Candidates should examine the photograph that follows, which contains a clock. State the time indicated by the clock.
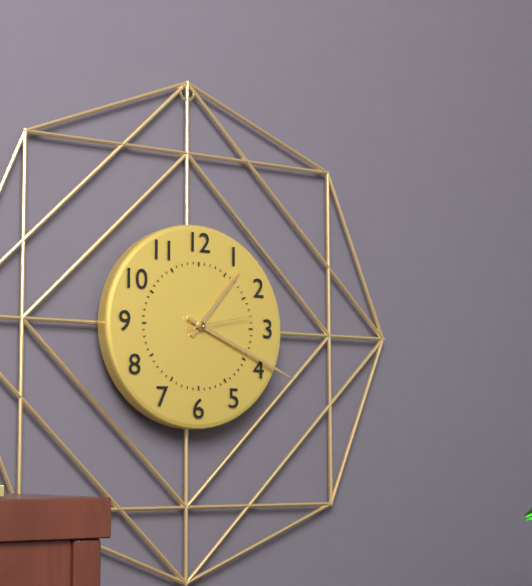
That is 1:19:13
